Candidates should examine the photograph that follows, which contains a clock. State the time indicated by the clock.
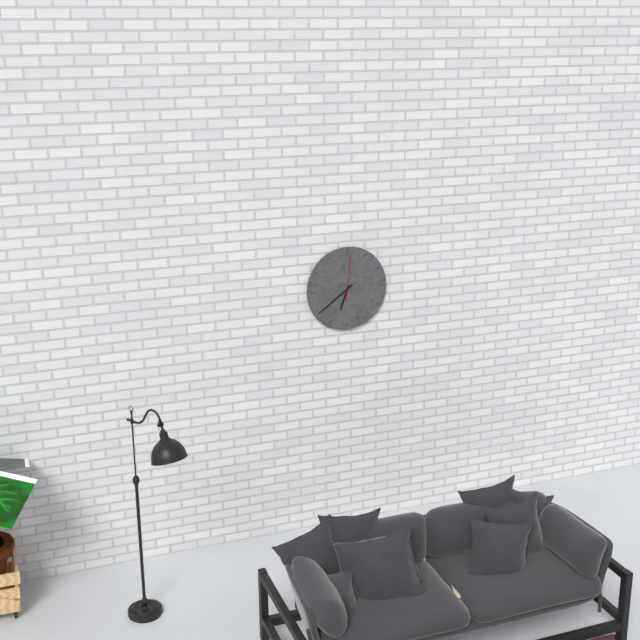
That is 6:39
